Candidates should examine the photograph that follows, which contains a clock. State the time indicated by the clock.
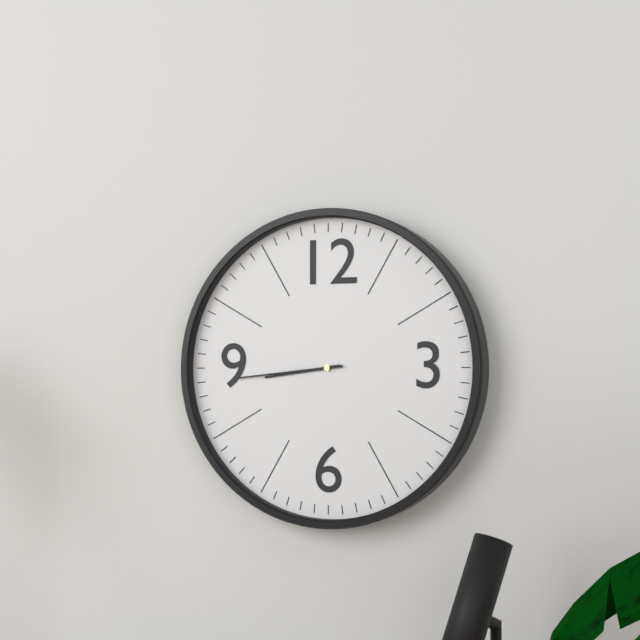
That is 8:44
